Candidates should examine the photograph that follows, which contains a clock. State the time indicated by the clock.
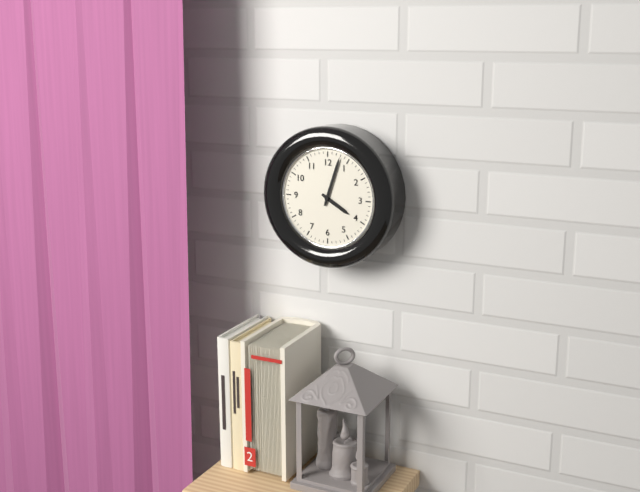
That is 4:03
